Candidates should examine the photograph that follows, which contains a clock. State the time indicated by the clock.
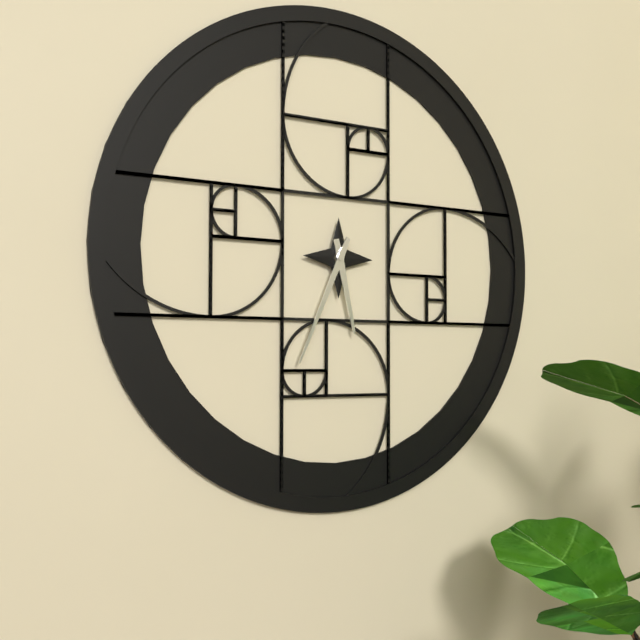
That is 5:34
